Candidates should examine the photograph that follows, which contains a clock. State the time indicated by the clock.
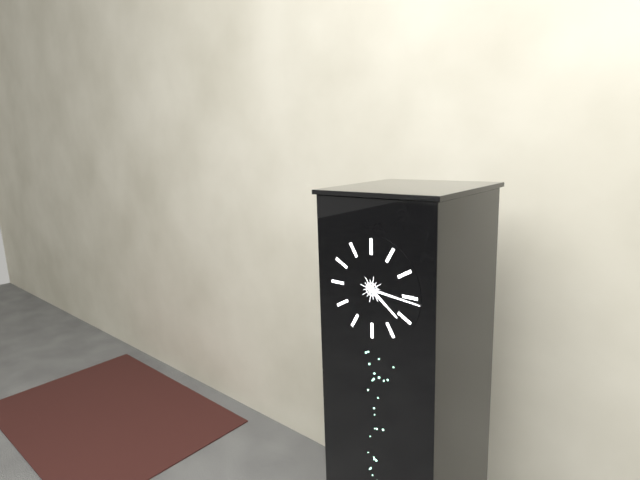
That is 4:16
